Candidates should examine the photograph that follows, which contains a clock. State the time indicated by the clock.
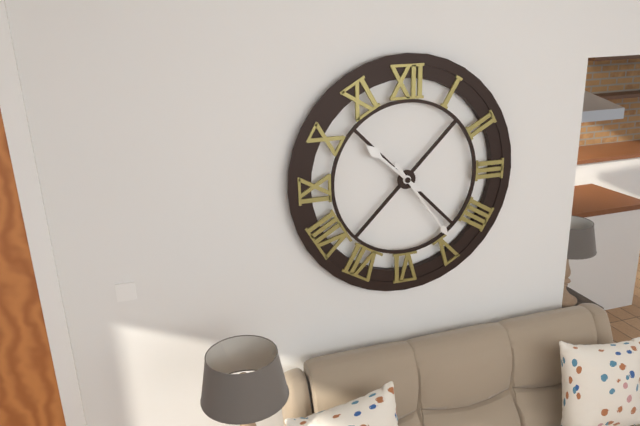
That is 10:24
